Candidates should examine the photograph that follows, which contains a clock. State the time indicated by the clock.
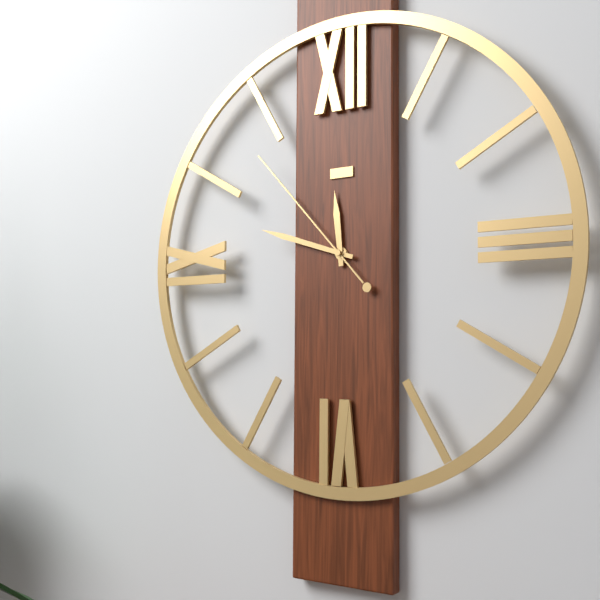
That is 11:48:53
